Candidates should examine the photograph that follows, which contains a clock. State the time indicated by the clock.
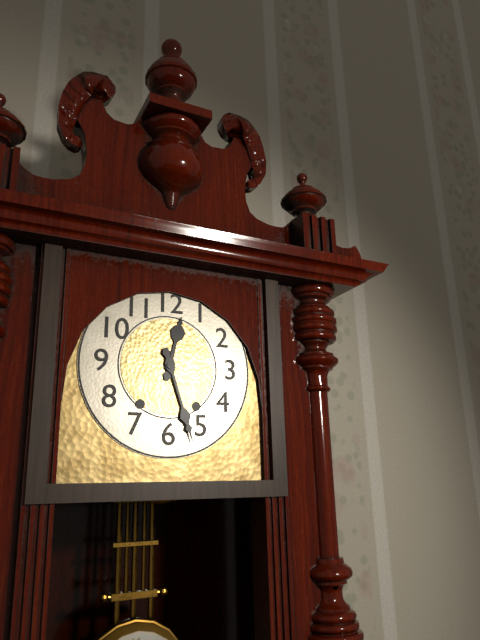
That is 12:27
